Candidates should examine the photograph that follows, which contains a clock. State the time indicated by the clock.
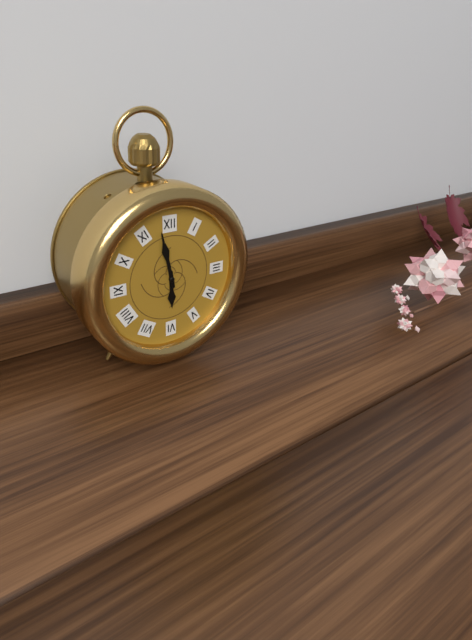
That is 5:58
